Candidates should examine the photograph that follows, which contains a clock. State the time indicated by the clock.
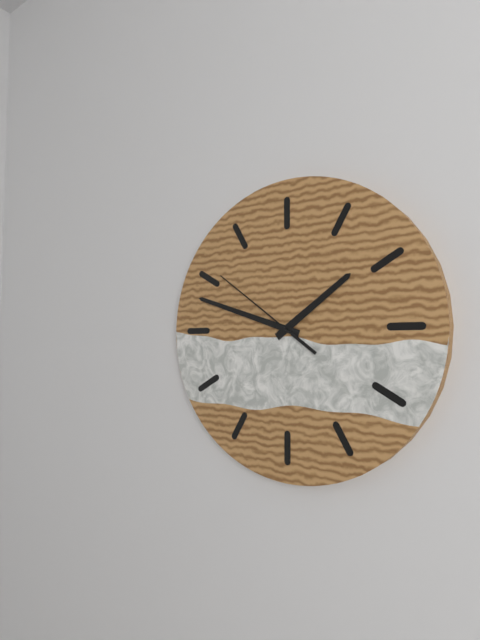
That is 1:48:51
